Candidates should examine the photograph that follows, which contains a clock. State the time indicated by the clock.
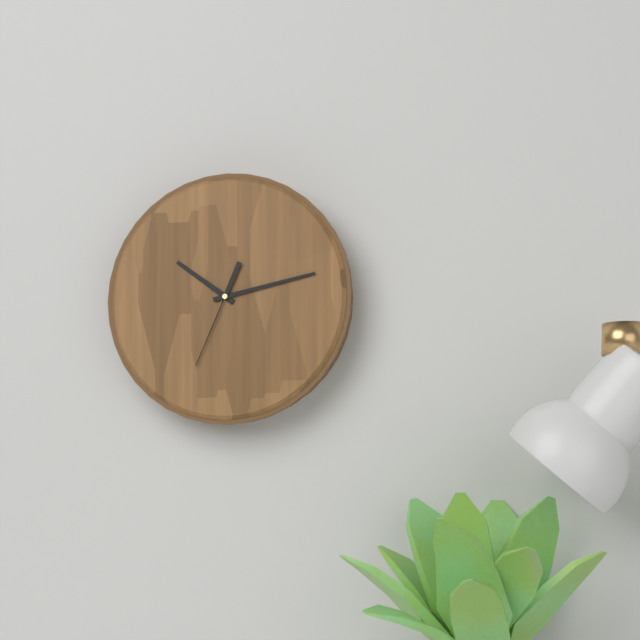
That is 10:13:34
